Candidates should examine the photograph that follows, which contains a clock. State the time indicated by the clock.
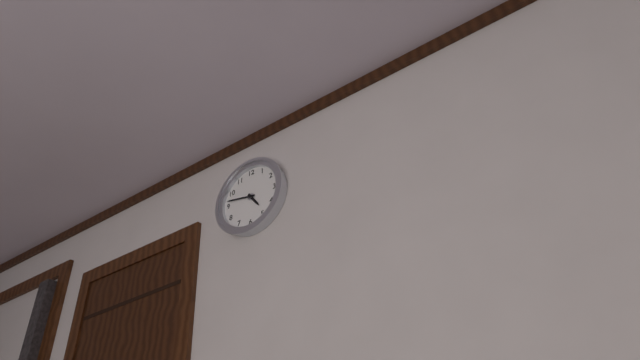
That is 4:47
